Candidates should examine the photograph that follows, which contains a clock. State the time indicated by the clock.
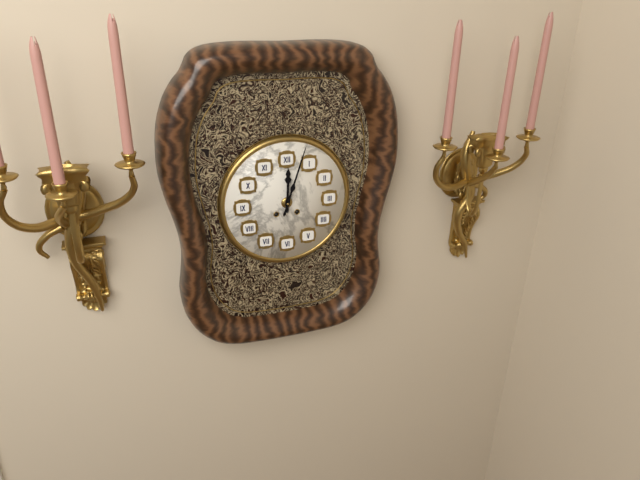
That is 12:03
